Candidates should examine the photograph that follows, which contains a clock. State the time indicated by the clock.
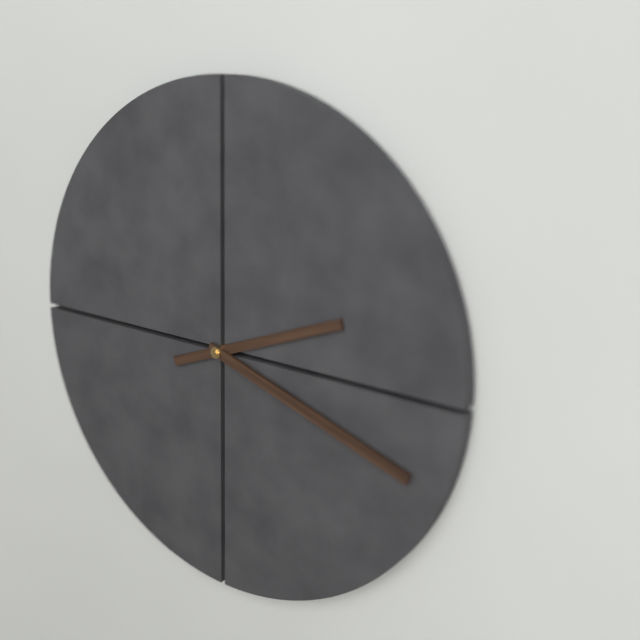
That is 2:18
